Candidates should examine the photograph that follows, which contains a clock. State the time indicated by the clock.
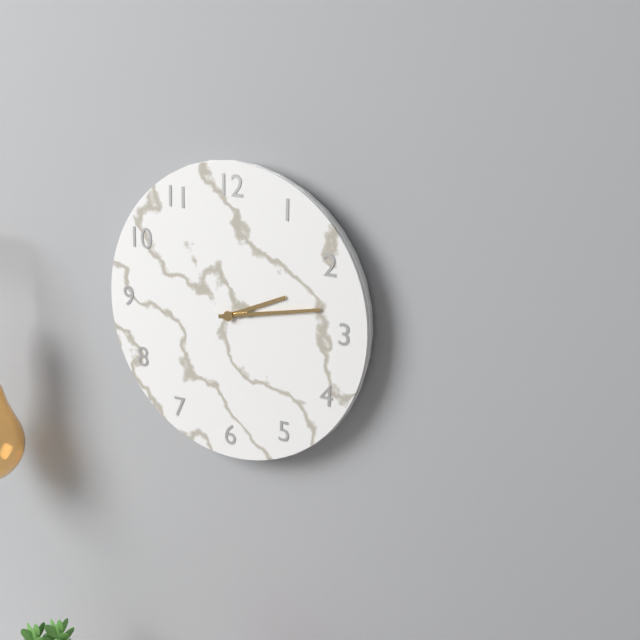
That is 2:13
